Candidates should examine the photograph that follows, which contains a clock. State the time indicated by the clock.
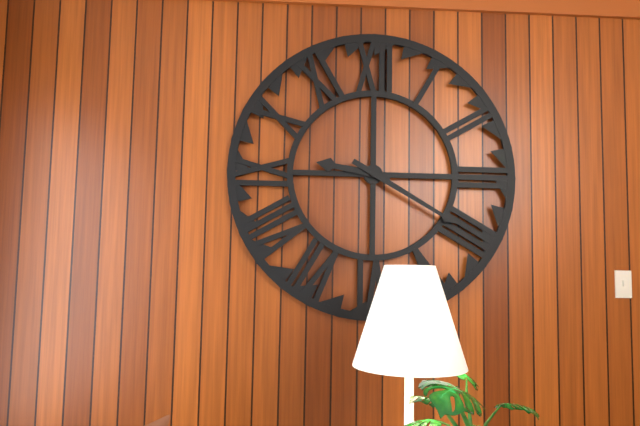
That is 9:20
